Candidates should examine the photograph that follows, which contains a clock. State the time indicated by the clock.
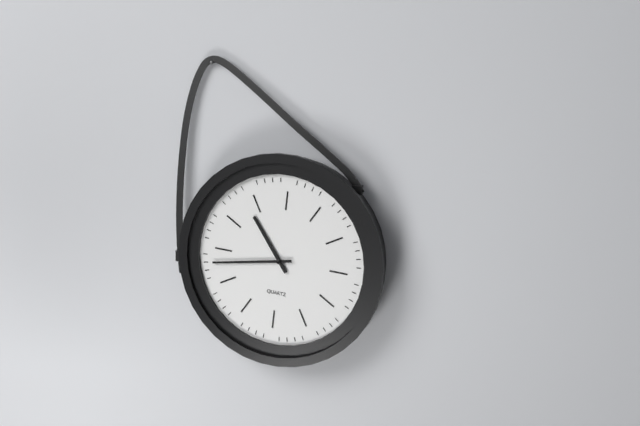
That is 10:43
